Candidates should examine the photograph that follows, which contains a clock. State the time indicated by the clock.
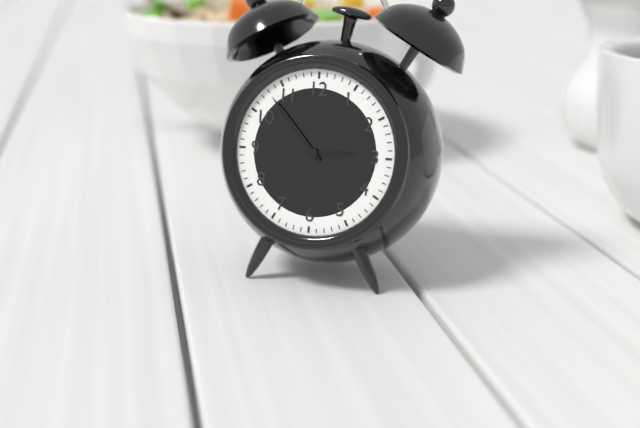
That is 2:53
